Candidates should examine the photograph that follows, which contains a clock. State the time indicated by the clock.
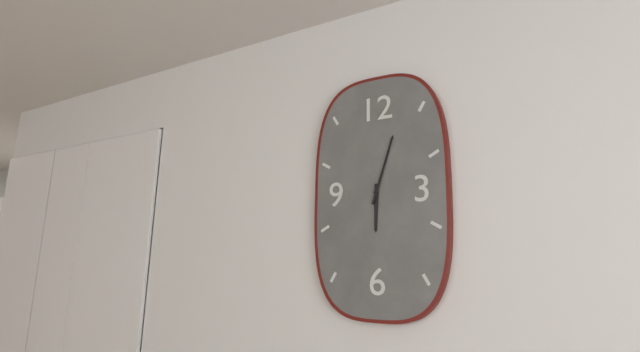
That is 6:03
